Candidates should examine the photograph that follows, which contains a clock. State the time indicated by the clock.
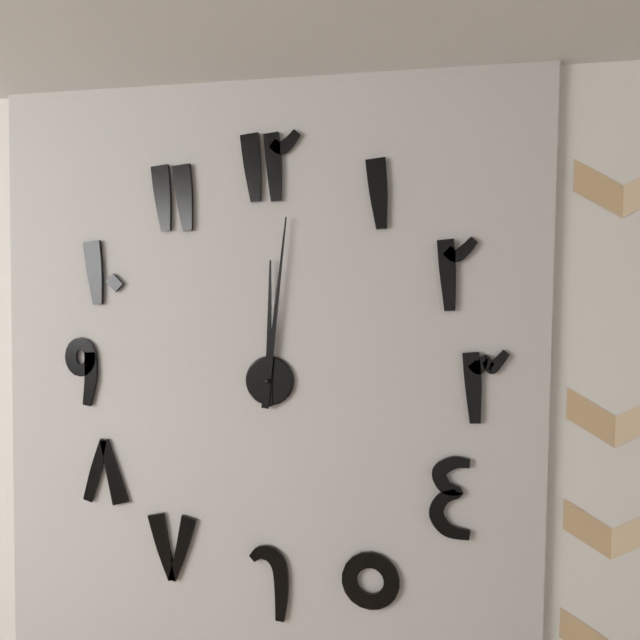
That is 12:01
